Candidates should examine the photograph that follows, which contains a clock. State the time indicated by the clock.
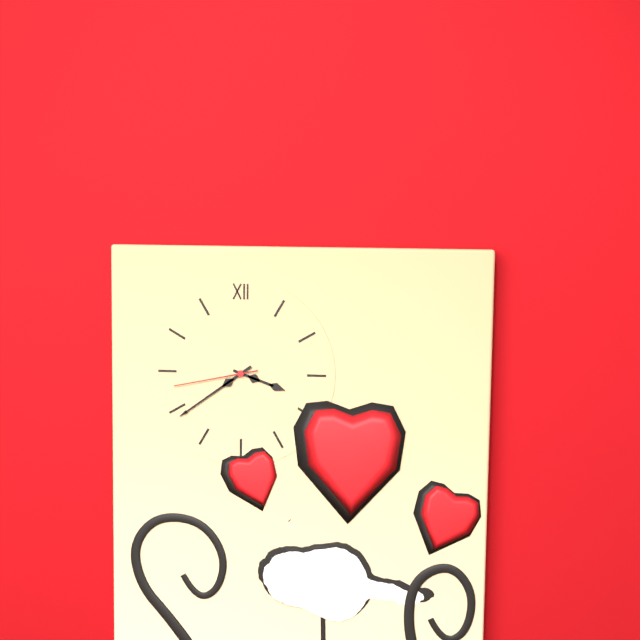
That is 3:39:43
